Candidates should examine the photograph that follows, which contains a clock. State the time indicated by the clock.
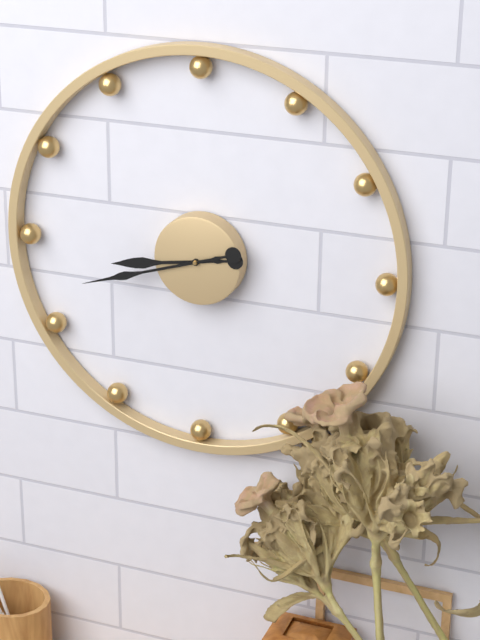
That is 8:42
